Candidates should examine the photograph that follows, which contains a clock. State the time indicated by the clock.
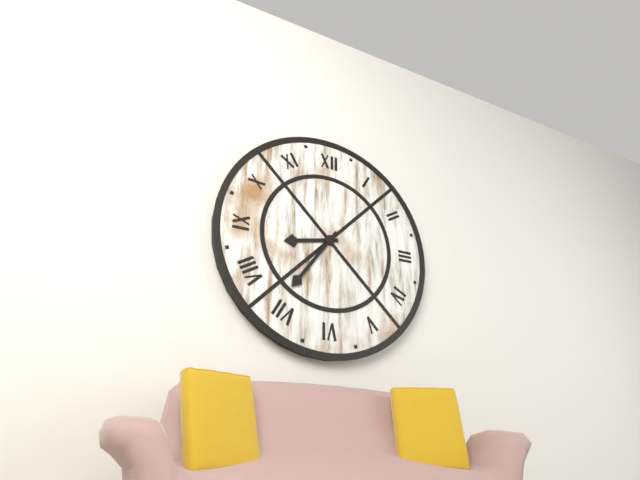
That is 8:36
